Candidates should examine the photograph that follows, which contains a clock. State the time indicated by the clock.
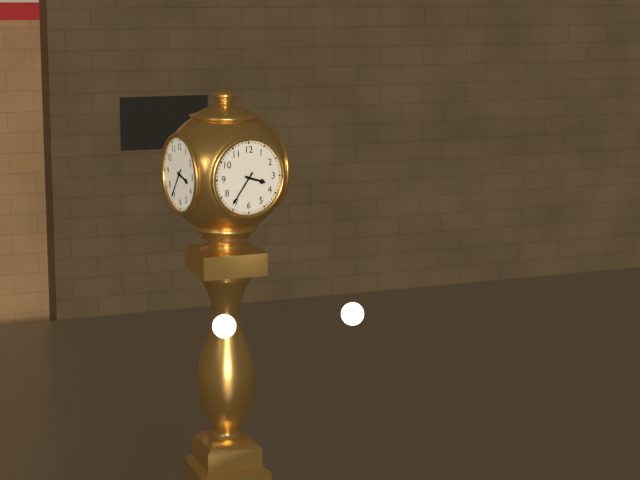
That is 3:36
